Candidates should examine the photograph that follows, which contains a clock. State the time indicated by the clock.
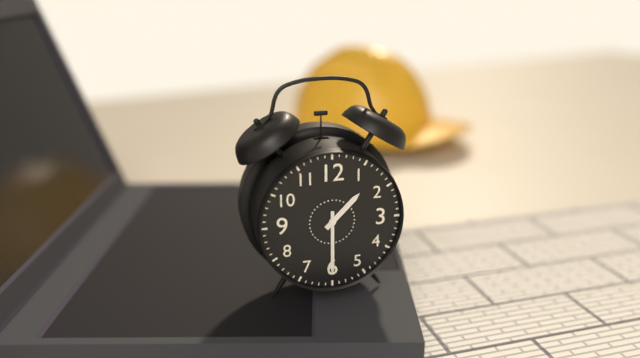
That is 1:30
